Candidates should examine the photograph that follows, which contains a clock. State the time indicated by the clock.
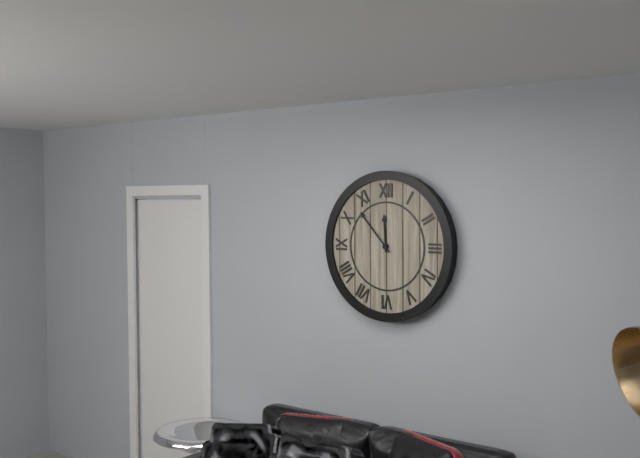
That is 11:53
